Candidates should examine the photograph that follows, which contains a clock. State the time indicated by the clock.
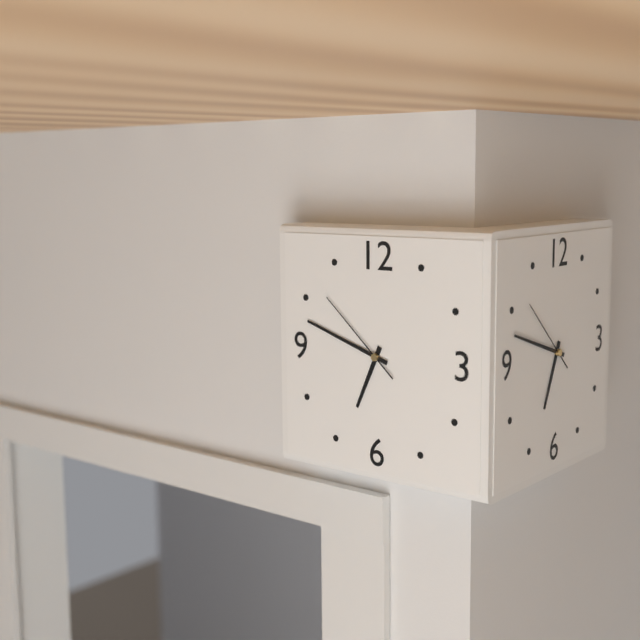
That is 6:48:52
